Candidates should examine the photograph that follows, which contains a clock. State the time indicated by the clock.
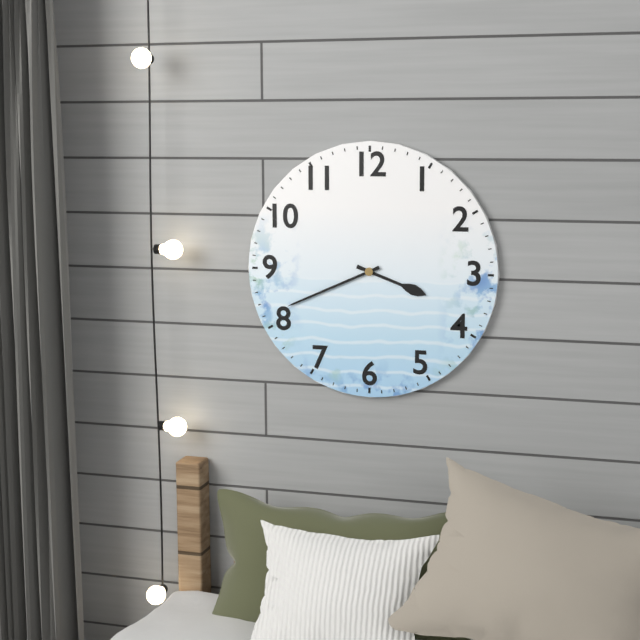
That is 3:41
